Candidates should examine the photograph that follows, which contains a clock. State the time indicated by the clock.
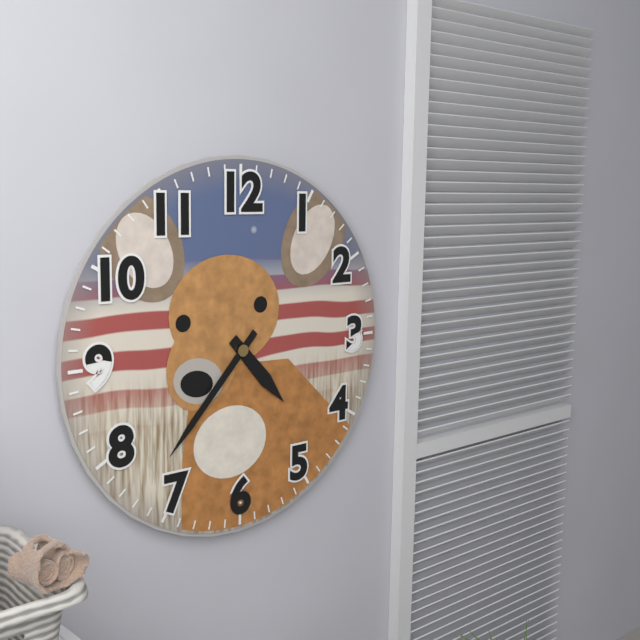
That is 4:37
